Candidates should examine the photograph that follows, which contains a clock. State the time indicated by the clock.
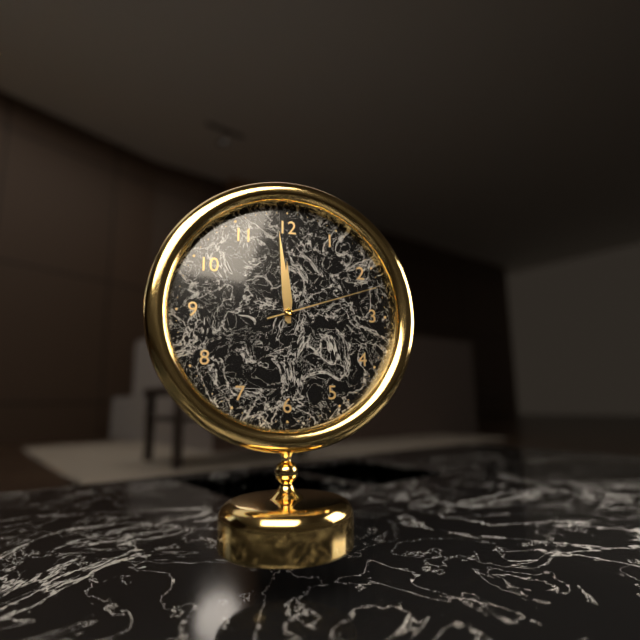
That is 11:59:12
